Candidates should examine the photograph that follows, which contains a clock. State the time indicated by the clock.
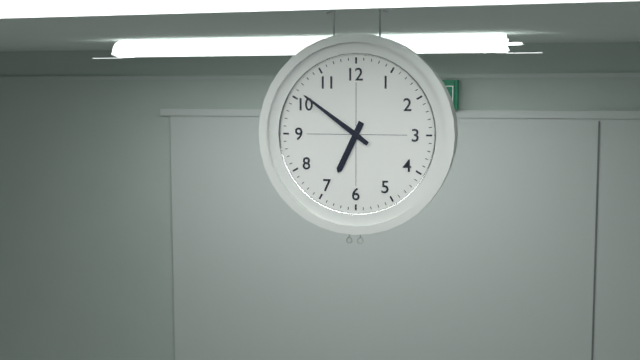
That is 6:51
